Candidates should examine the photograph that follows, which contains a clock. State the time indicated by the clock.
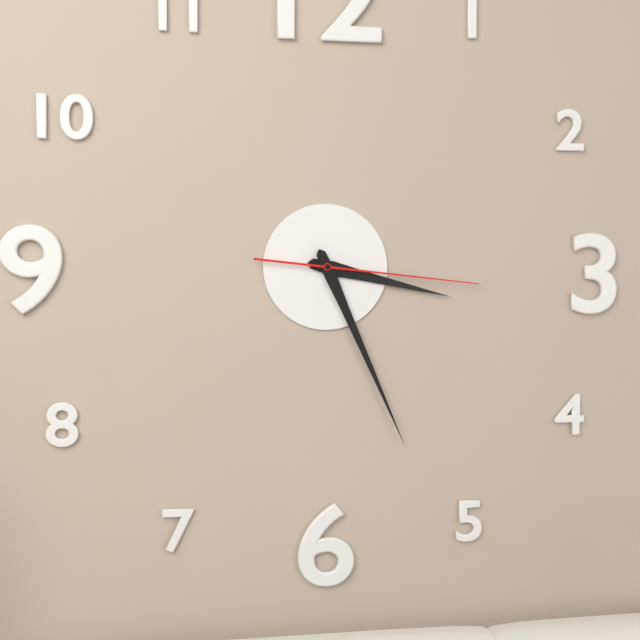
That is 3:26:16
